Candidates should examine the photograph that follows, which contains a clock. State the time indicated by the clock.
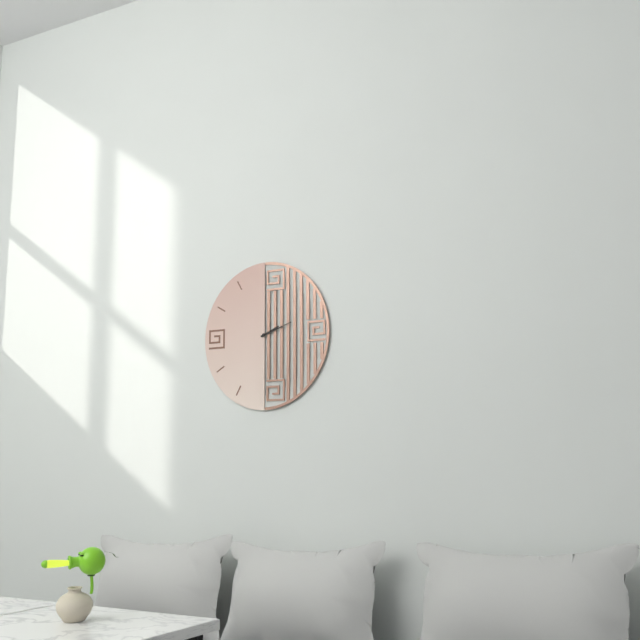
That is 2:12
